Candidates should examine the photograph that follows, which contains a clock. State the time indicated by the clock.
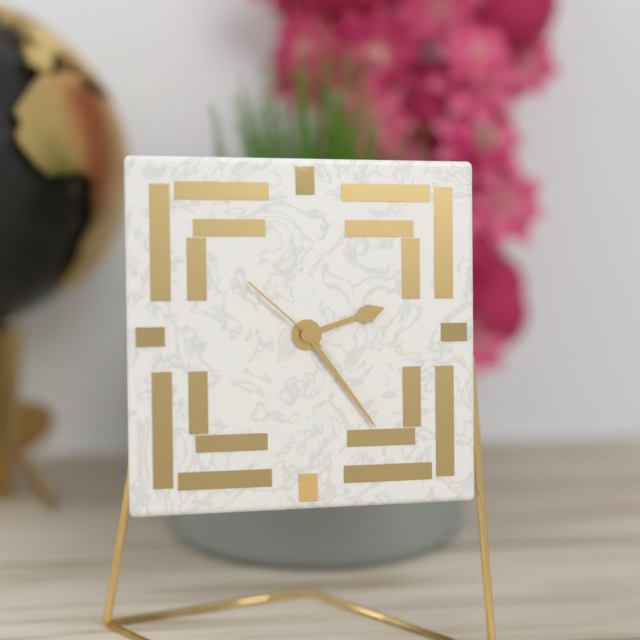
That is 2:24:52
